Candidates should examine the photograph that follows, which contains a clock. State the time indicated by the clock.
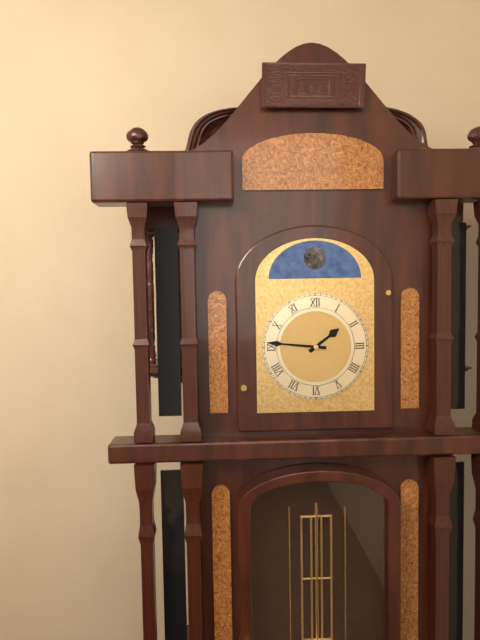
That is 1:46
